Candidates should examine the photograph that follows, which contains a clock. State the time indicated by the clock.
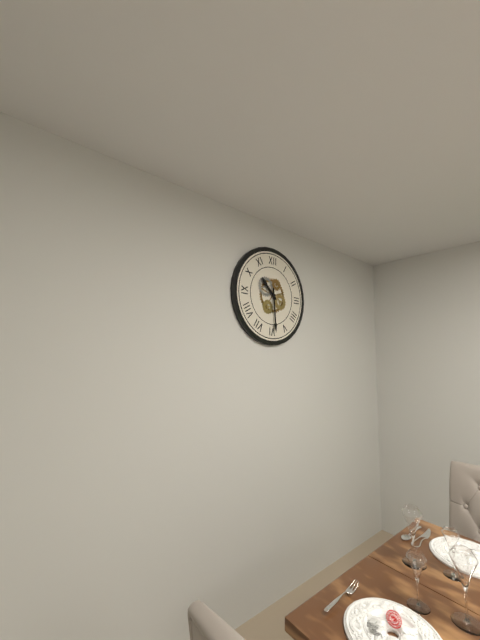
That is 10:29
